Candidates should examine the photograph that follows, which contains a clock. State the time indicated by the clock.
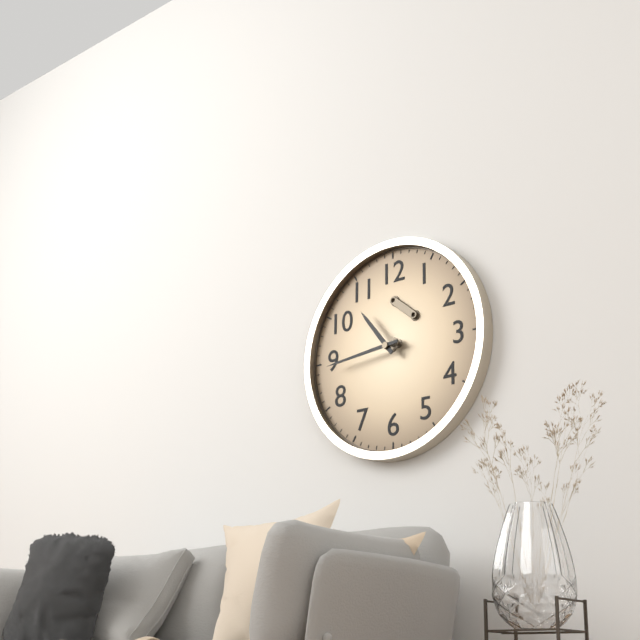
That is 10:44
